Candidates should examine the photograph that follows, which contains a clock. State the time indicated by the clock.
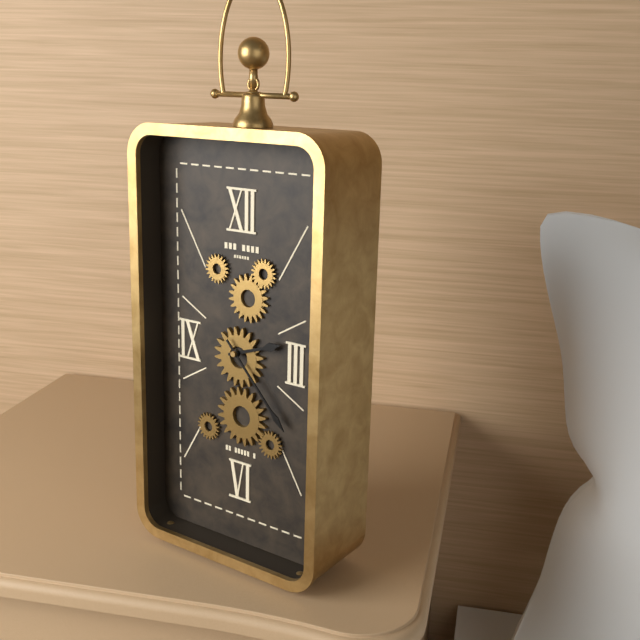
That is 2:23
